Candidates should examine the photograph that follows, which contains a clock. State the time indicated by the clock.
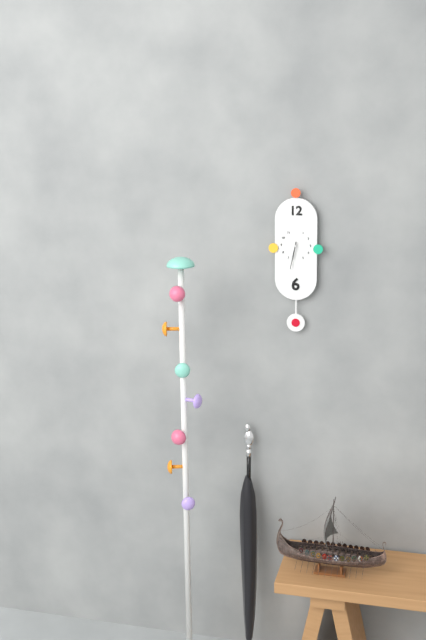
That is 6:32
